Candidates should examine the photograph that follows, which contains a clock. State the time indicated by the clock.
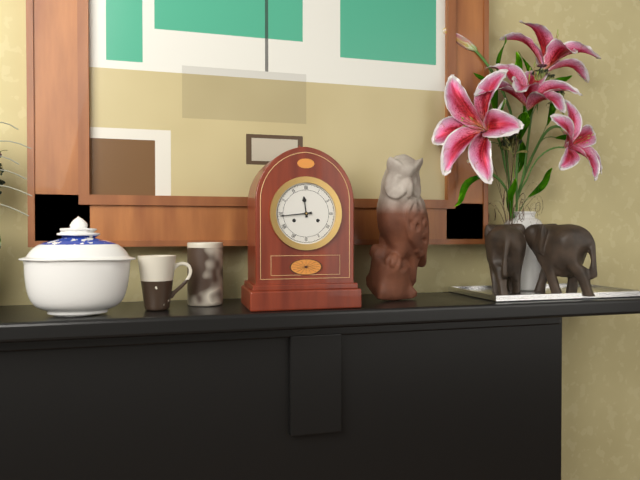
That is 11:44
